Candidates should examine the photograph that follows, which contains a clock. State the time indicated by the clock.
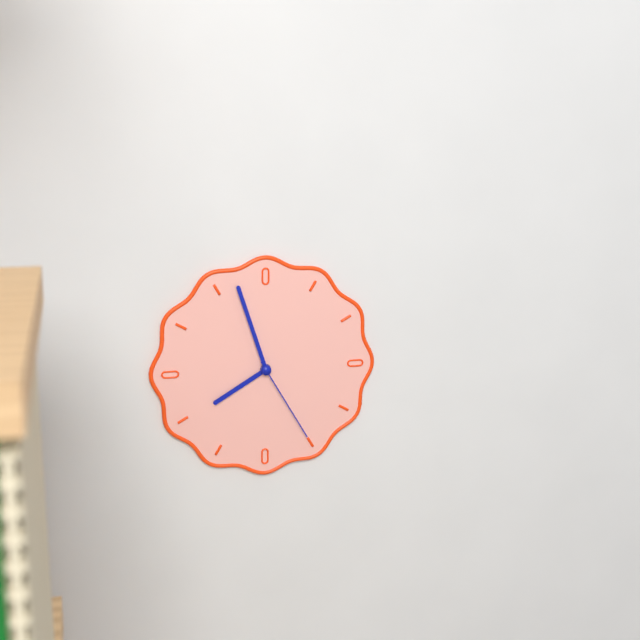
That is 7:57:25
